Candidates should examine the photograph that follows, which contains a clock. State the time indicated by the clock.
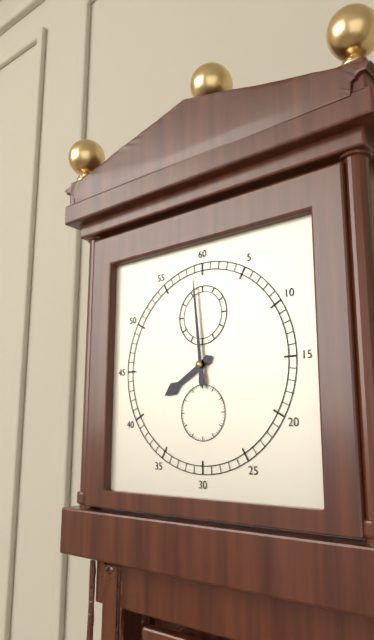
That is 7:59
